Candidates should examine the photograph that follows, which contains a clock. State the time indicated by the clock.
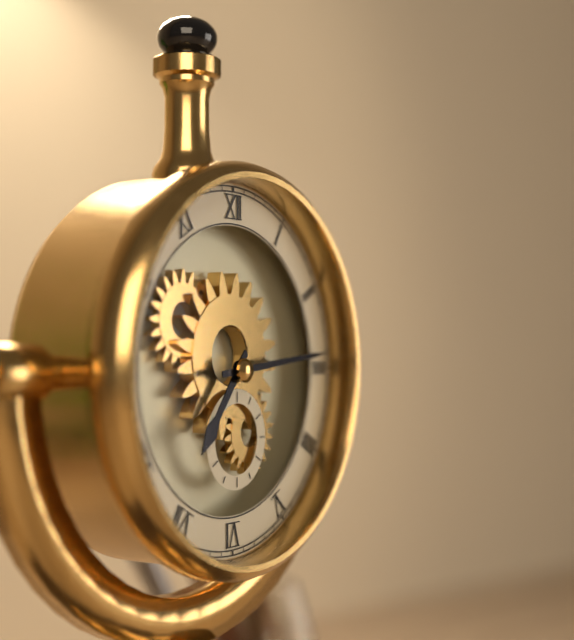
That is 7:14
